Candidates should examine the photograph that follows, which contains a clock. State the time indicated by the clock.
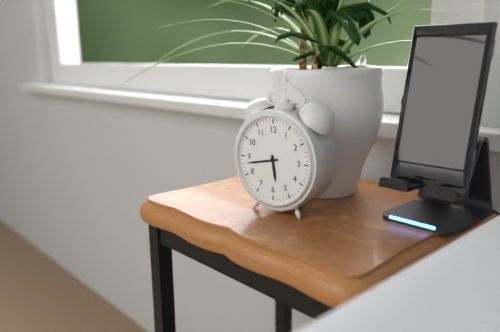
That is 5:43
